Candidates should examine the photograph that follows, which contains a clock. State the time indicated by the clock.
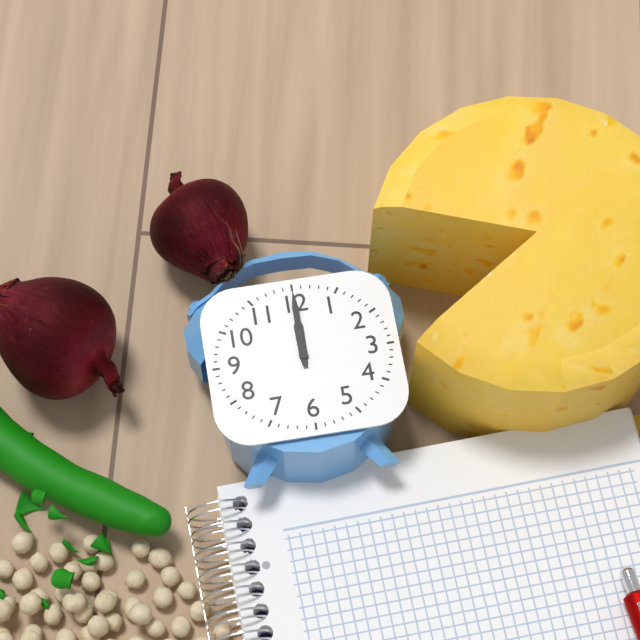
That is 12:00
